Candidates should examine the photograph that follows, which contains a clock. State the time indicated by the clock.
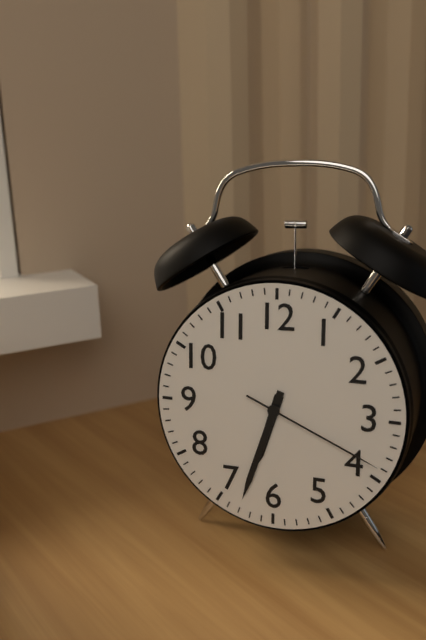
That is 6:33:19
